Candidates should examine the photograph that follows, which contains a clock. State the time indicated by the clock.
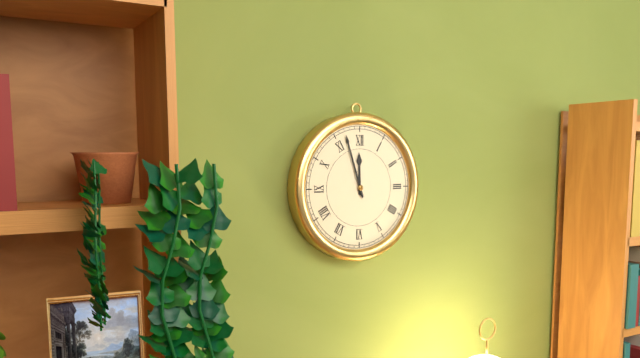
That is 11:57
